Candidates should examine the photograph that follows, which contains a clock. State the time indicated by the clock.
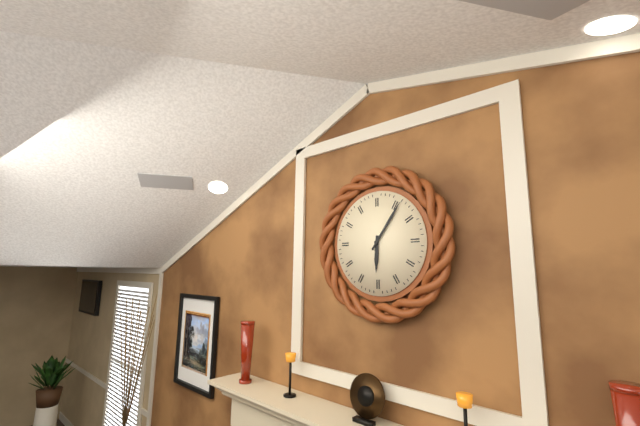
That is 6:06
